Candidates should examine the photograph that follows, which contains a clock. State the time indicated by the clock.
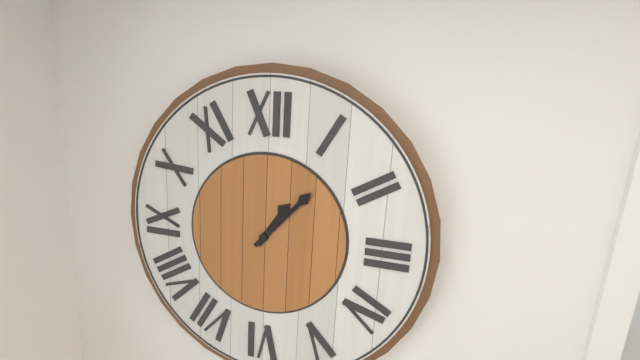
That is 1:07
